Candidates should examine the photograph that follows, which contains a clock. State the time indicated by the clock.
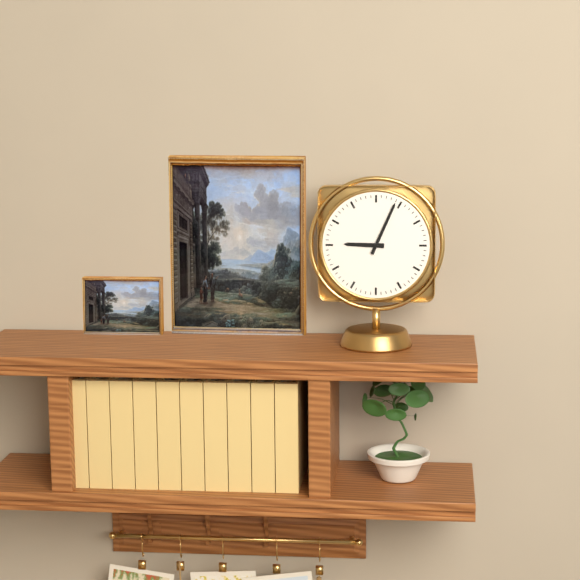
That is 9:04
